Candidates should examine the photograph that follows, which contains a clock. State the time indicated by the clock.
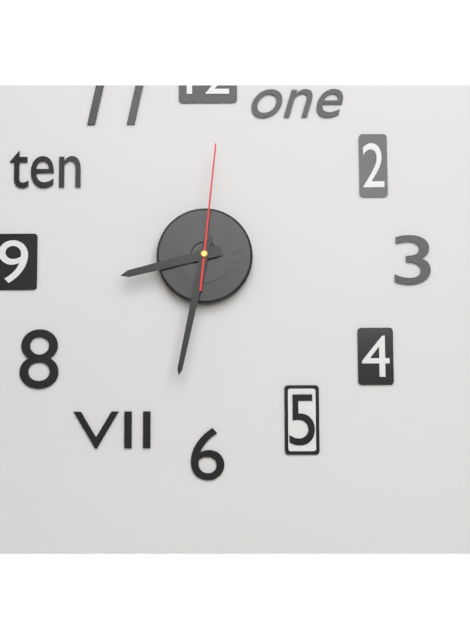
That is 8:32:01
